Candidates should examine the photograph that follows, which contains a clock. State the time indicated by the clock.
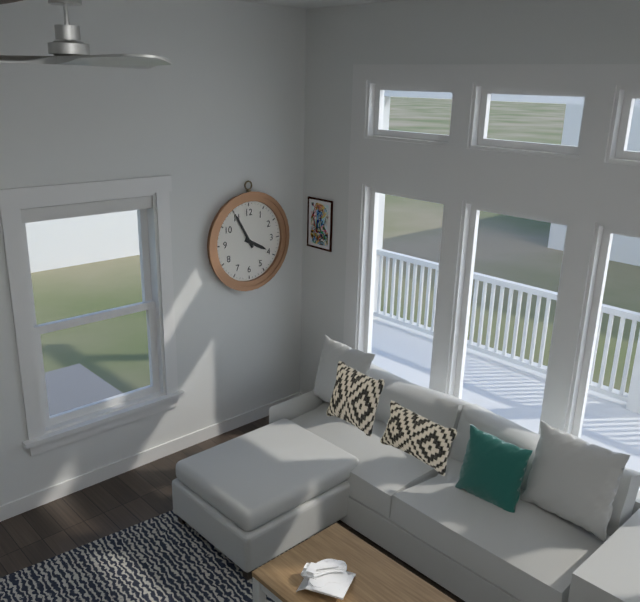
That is 3:55
